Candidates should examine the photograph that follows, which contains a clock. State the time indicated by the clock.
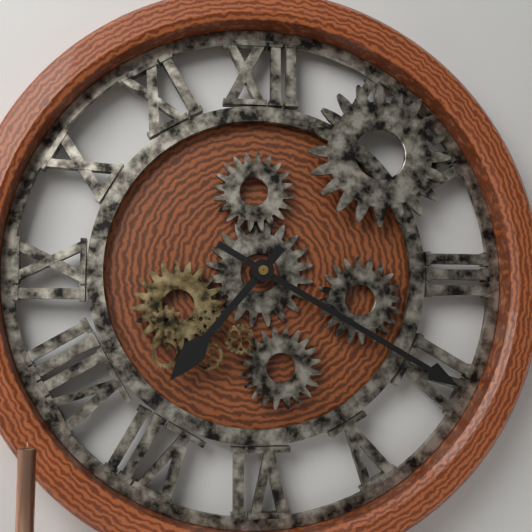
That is 7:20
